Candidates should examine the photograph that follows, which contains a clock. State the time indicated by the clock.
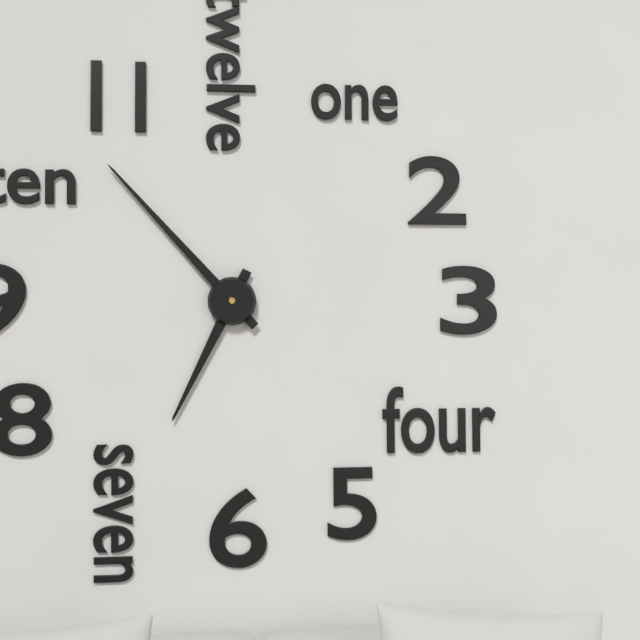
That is 6:53
